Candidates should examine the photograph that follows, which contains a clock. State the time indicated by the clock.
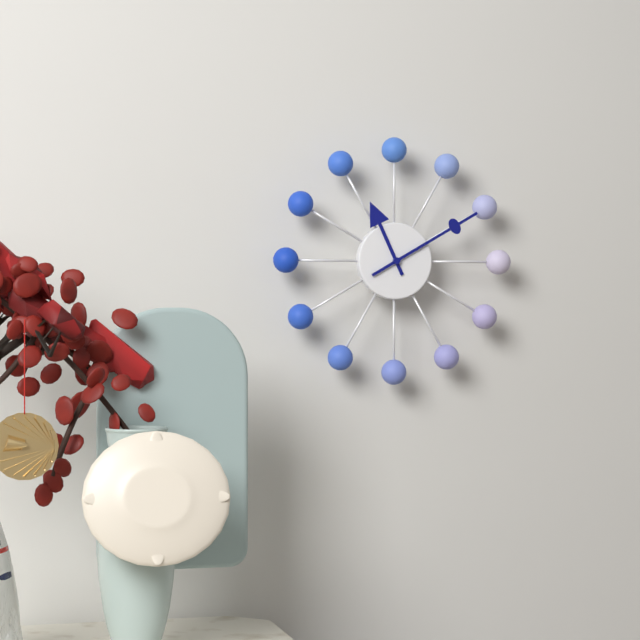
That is 11:10
